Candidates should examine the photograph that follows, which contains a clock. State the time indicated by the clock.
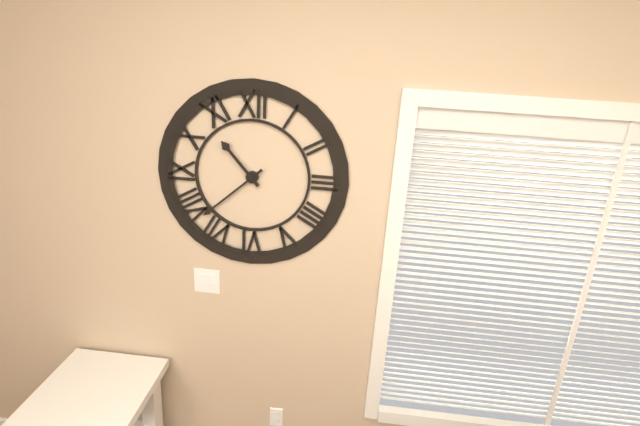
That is 10:38
